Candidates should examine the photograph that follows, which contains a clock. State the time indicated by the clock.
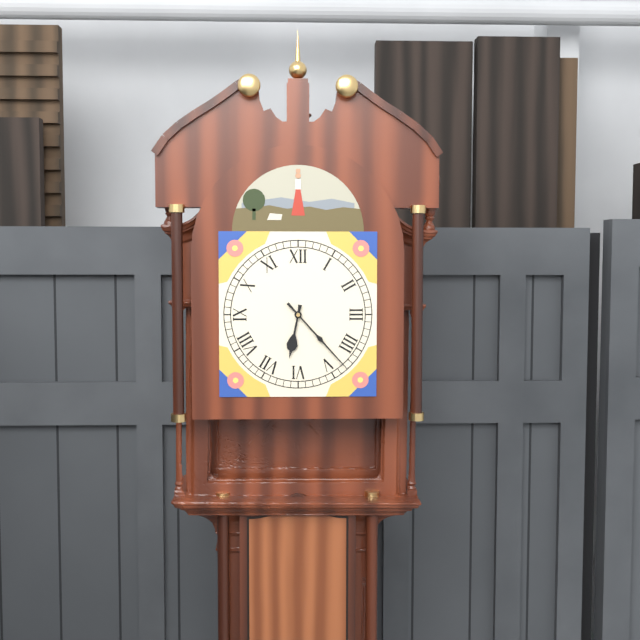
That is 6:23
